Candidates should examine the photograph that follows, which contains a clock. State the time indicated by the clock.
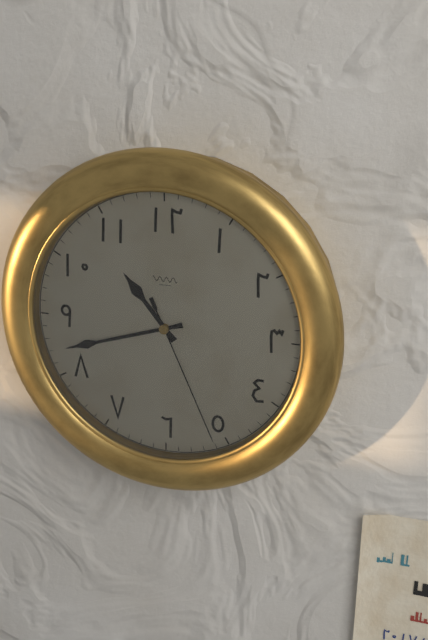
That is 10:42:26
